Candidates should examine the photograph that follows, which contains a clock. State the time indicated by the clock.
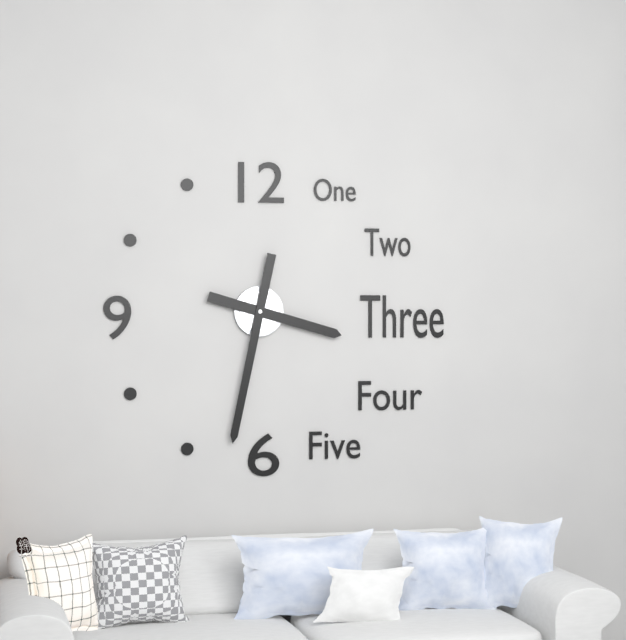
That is 3:32
